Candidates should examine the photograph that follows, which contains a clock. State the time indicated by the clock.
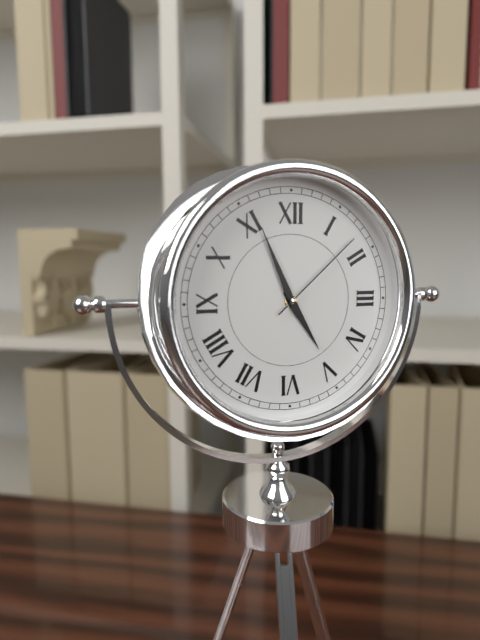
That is 4:56:08
